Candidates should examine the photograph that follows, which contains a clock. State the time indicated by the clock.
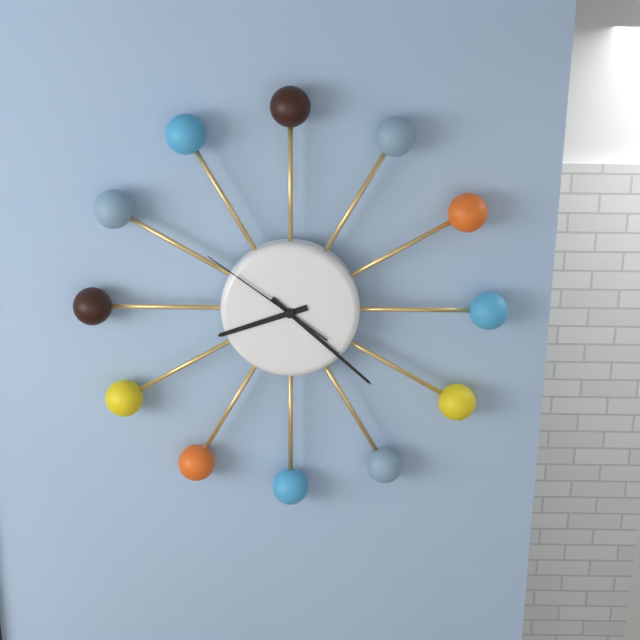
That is 8:22:51
